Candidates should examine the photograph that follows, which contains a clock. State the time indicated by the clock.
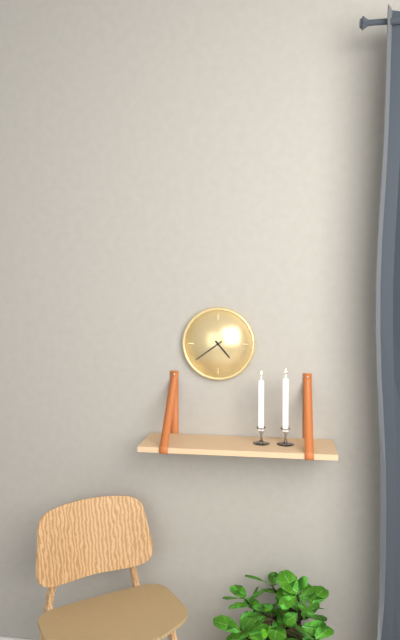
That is 4:39
